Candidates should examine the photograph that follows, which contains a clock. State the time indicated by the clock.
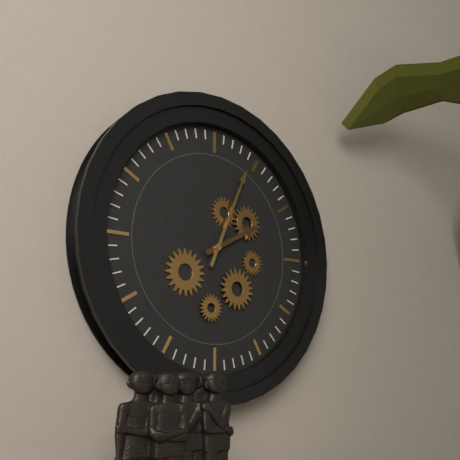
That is 2:04
